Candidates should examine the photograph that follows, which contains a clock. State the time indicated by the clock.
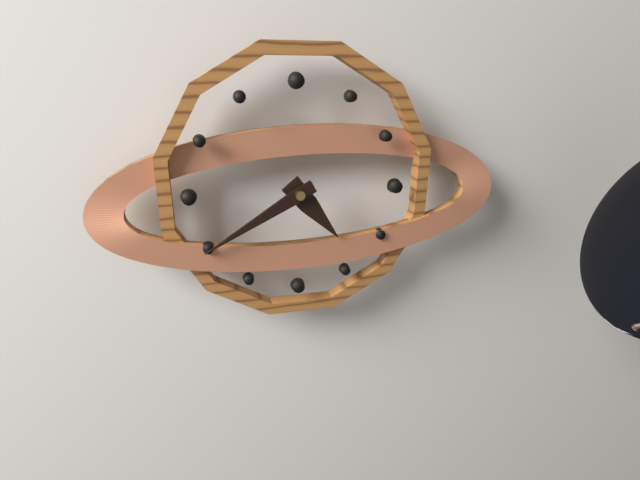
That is 4:40
